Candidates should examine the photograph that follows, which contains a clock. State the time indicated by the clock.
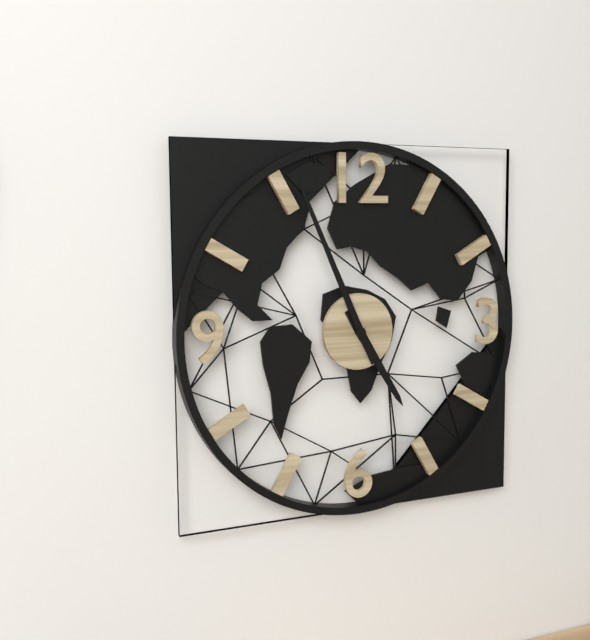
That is 4:56
